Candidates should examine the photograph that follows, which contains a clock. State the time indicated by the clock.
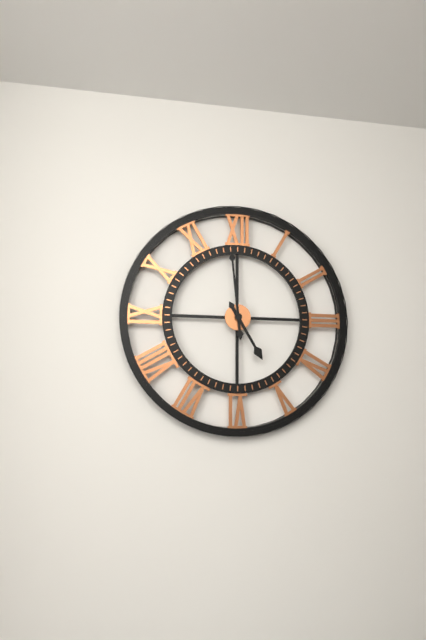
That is 4:59
